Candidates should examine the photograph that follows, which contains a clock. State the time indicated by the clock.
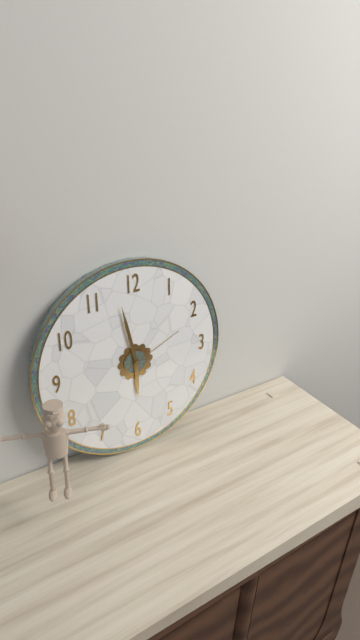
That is 5:58:11
